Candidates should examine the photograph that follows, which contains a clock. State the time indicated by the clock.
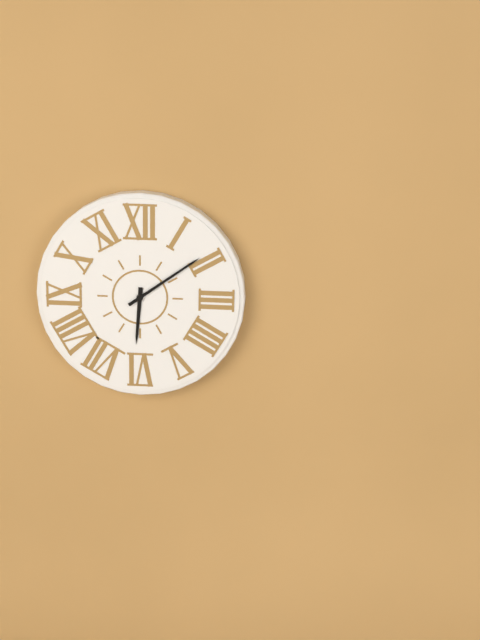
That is 6:09
